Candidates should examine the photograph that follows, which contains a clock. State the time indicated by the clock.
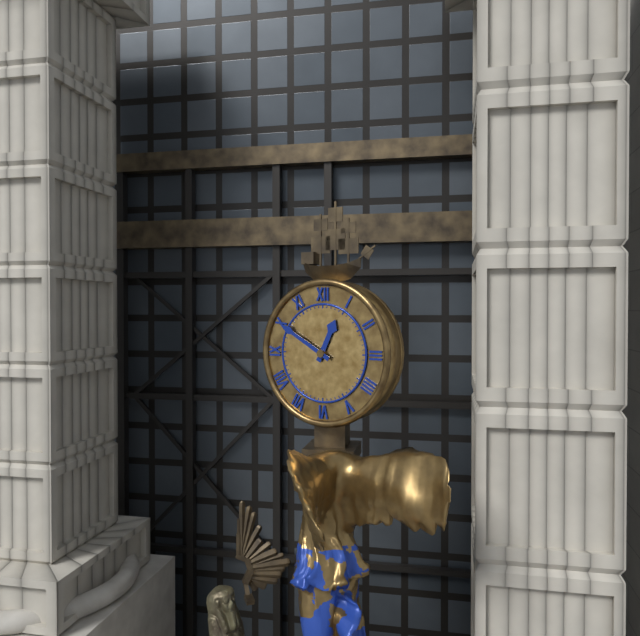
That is 12:50
